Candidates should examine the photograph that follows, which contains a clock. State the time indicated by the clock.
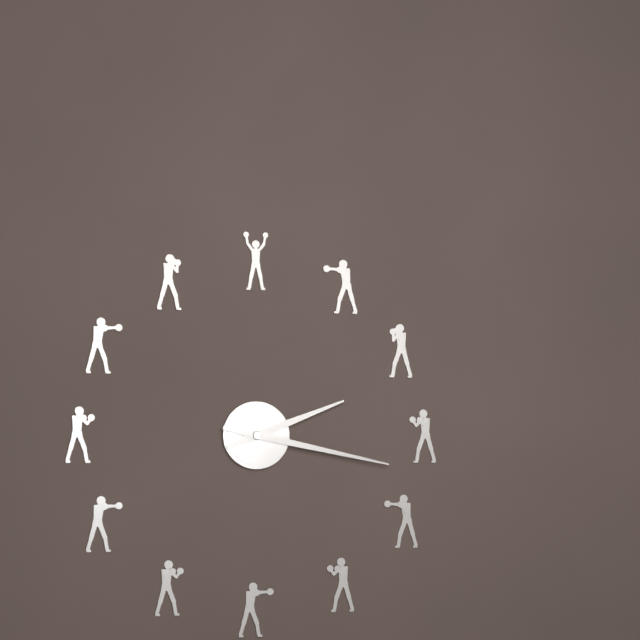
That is 2:17
